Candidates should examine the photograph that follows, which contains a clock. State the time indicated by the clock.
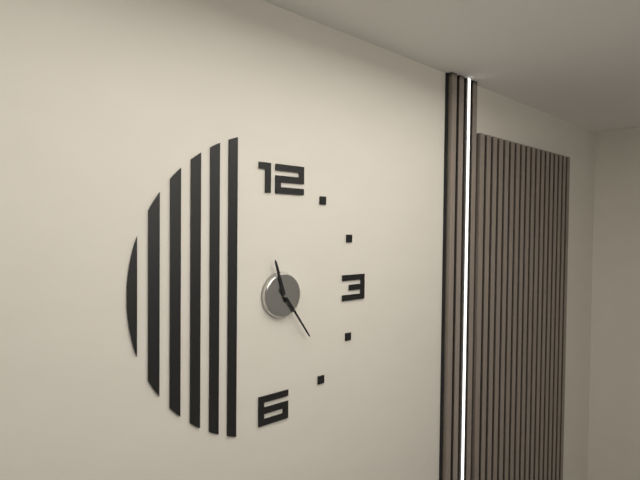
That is 11:24
